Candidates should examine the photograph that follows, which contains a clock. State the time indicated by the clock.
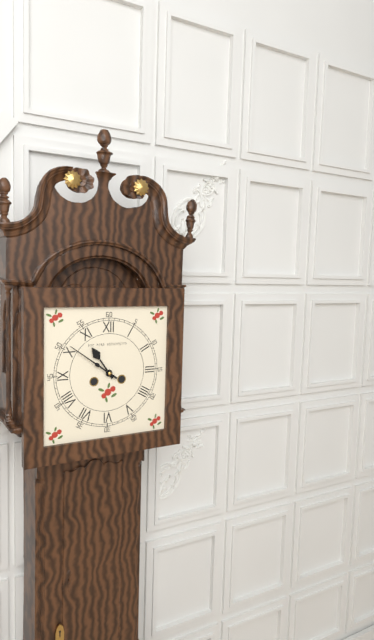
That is 10:51
